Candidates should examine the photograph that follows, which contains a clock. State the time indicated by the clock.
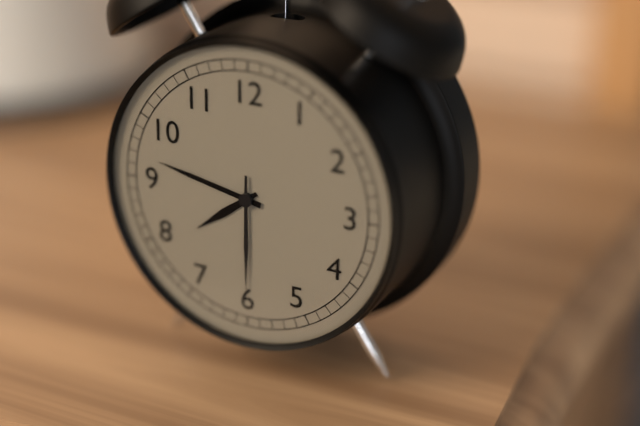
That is 7:47:30
